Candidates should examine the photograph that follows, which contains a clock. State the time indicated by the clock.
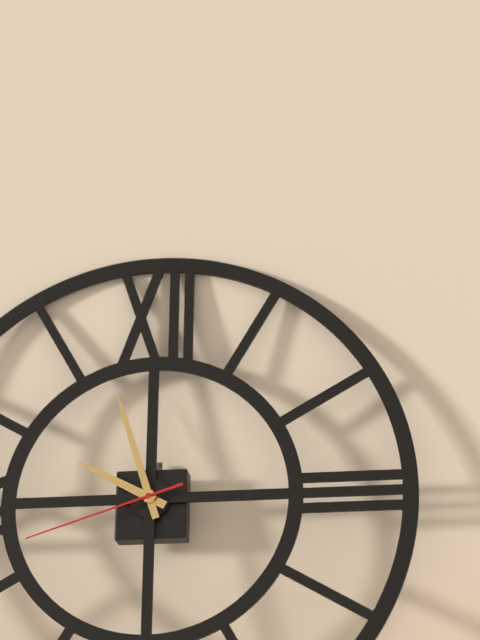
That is 9:57:42
